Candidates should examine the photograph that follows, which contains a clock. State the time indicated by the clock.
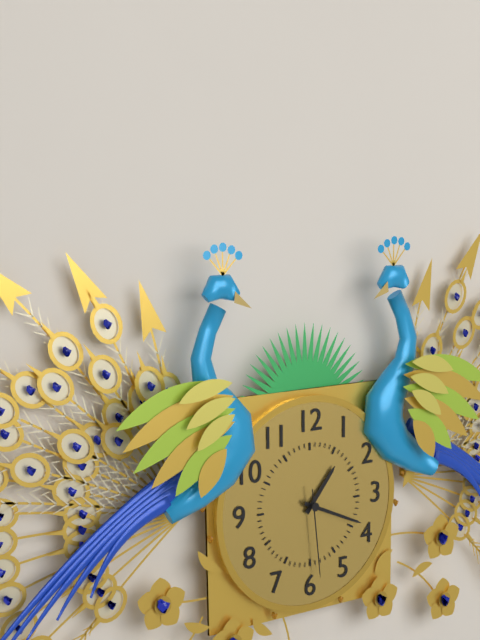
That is 1:19:29
